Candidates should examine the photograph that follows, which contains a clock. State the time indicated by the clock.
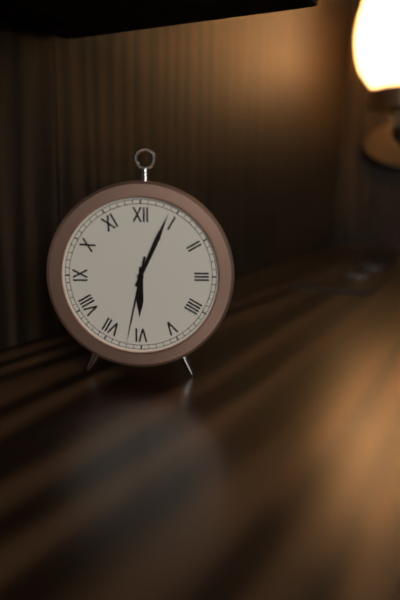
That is 6:04:32
